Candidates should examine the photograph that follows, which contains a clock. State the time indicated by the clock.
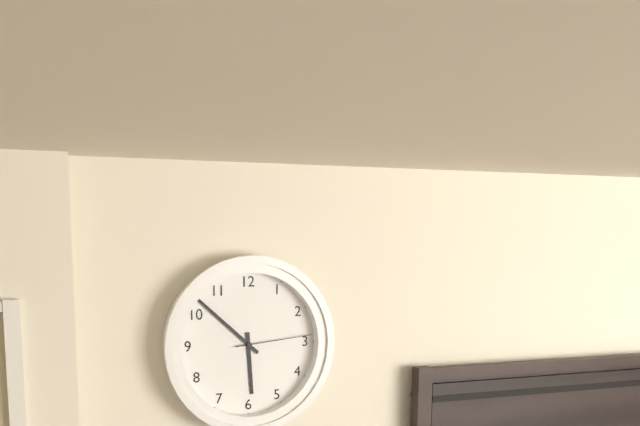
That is 5:52:14
